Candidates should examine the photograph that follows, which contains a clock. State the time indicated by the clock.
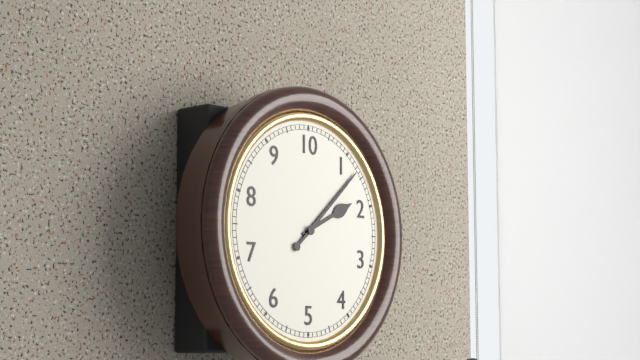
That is 2:08
